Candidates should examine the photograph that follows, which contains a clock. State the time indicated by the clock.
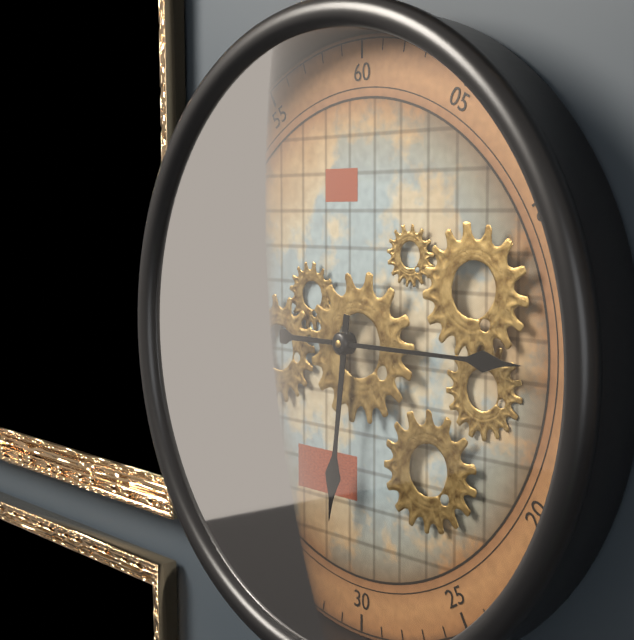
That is 6:15
